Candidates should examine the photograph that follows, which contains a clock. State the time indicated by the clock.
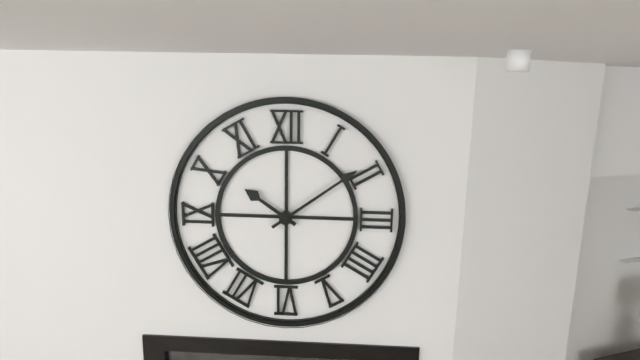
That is 10:09
